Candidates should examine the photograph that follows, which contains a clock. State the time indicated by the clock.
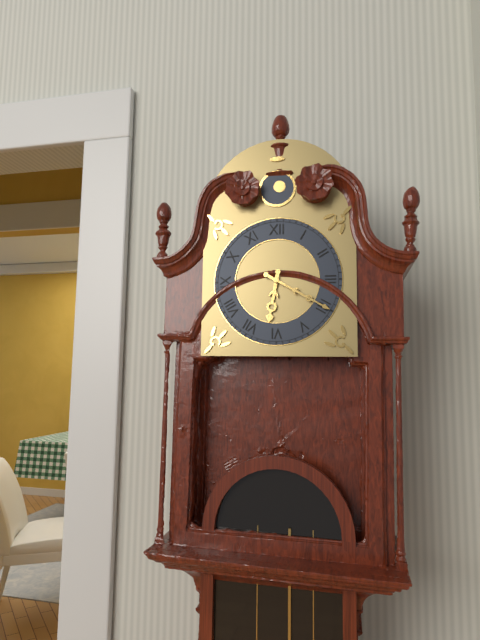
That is 6:20
